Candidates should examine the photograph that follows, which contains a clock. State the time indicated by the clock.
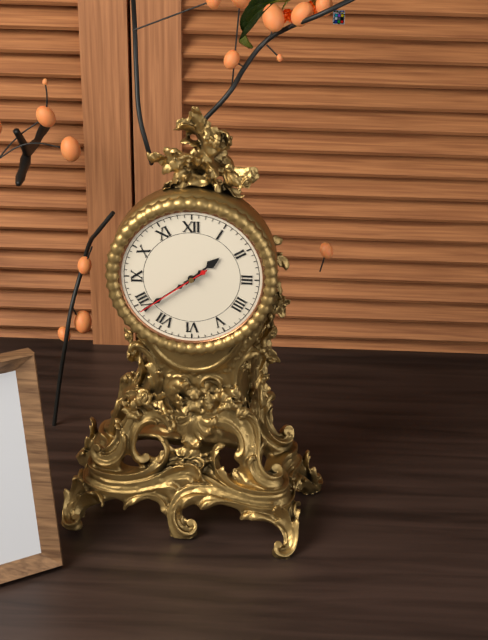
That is 1:39:39
